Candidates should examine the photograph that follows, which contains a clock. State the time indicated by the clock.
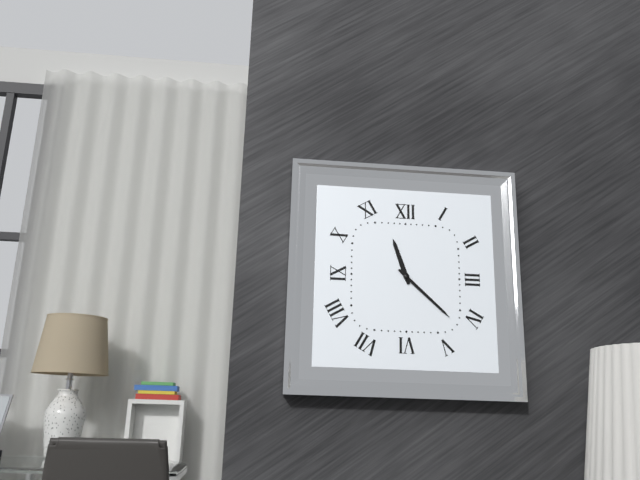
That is 11:22
